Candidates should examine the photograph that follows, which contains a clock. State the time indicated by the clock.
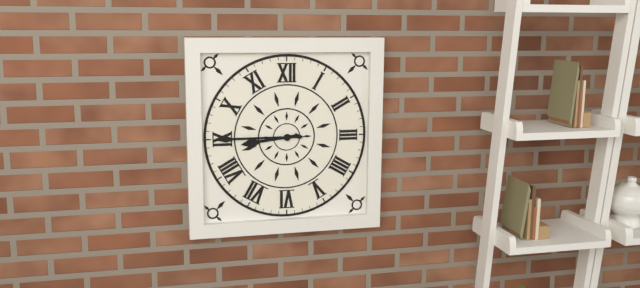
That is 8:45
